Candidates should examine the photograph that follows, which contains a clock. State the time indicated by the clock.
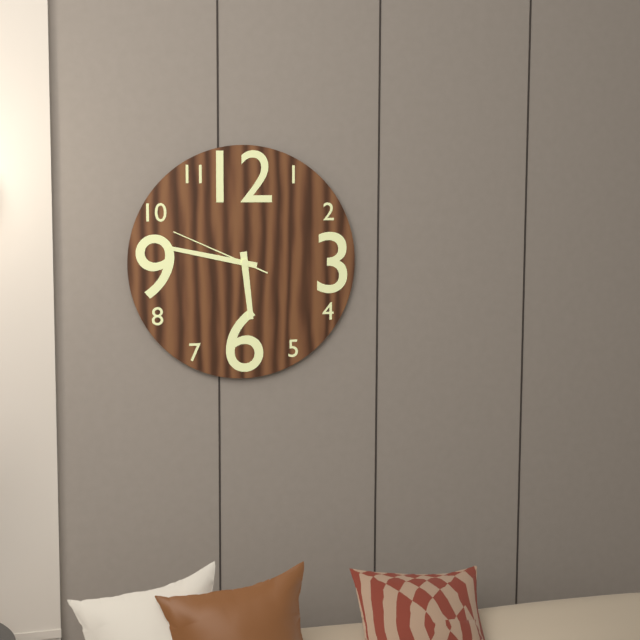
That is 5:47:49
